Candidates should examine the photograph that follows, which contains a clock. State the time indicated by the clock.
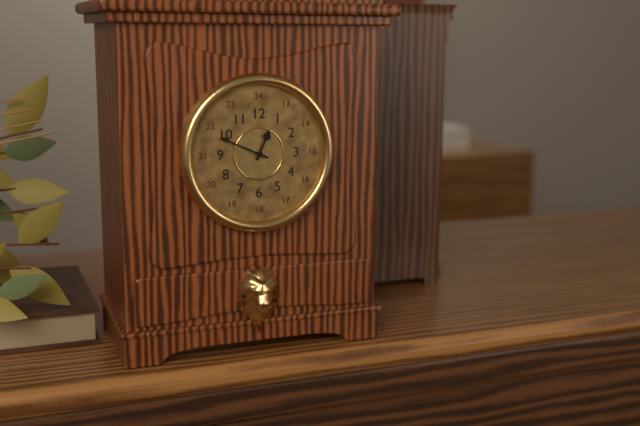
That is 12:49
